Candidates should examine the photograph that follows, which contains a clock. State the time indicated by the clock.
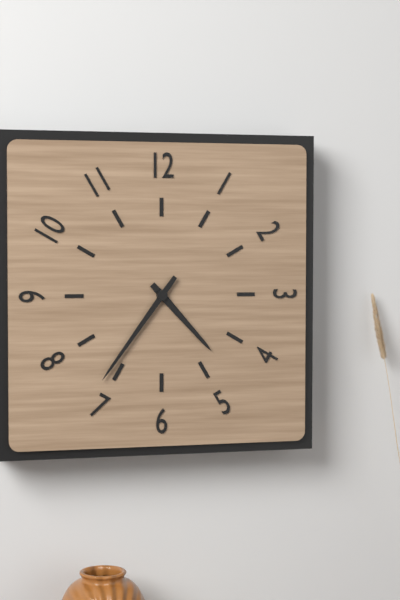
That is 4:36
